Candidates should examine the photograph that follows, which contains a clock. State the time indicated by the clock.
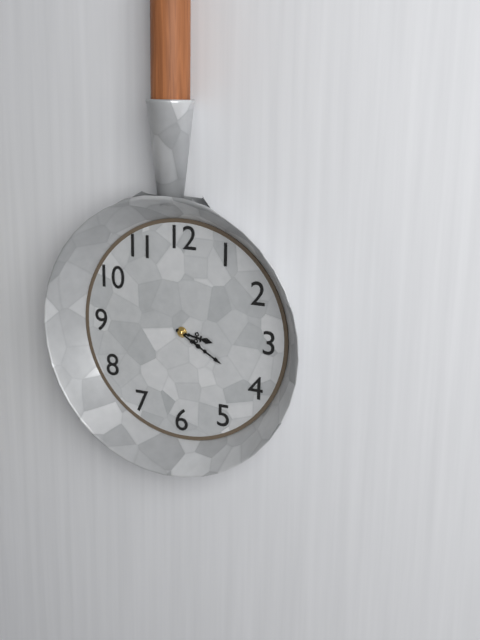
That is 3:20
